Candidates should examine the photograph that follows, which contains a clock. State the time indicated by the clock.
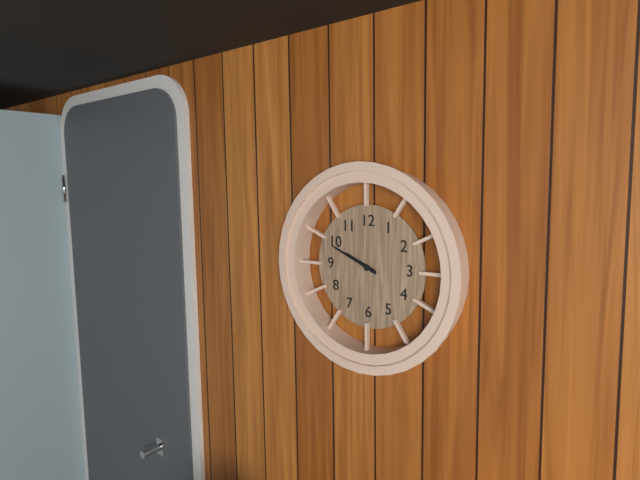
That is 9:49
